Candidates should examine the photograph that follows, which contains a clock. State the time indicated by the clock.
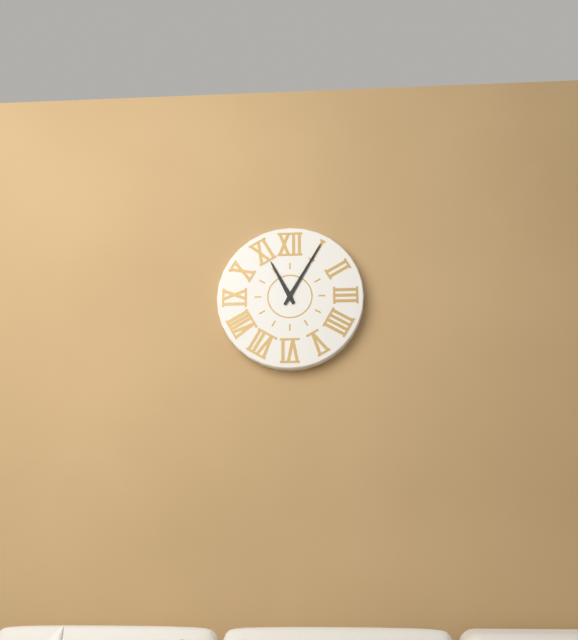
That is 11:05
